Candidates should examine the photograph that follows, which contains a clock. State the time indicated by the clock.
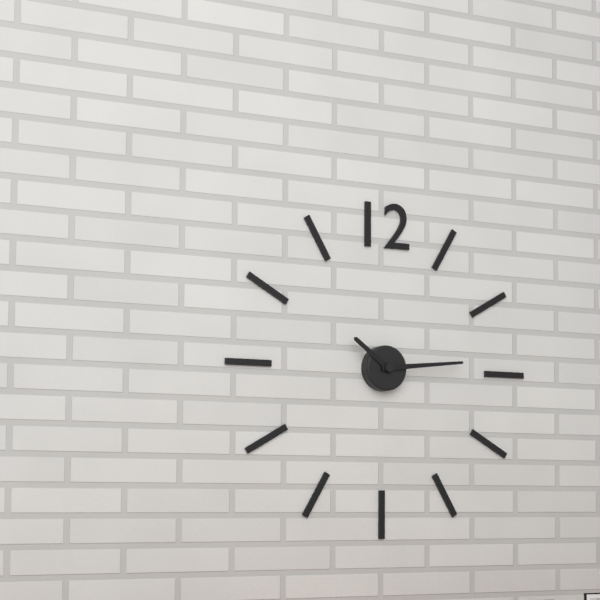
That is 10:14
